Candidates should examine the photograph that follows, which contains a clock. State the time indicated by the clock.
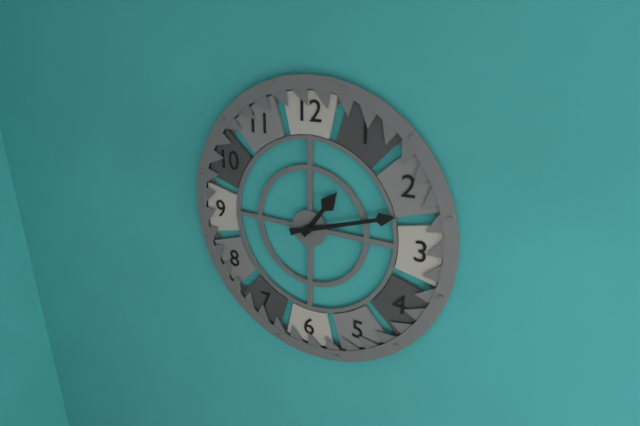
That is 1:12
